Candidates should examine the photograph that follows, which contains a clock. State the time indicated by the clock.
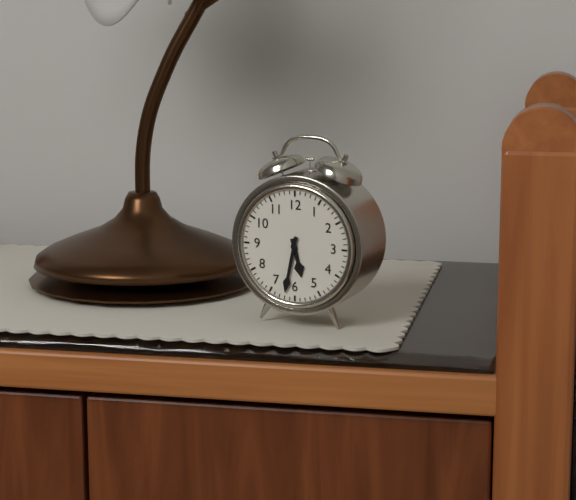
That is 5:32
